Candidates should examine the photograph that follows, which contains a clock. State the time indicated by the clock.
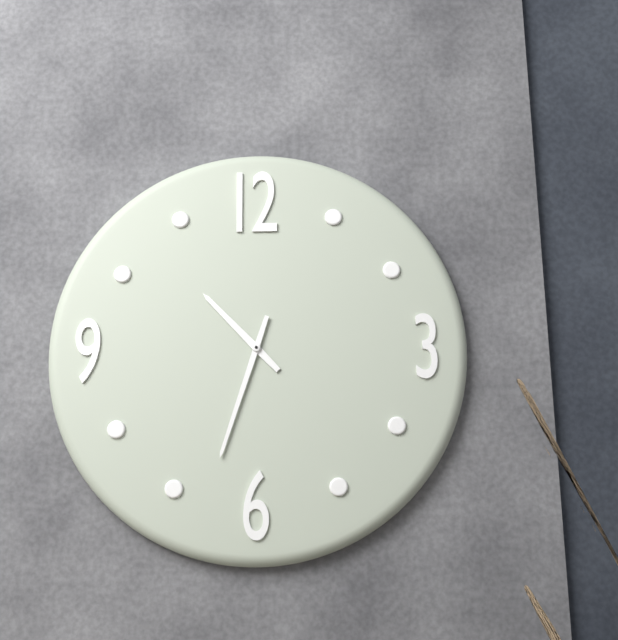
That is 10:33
